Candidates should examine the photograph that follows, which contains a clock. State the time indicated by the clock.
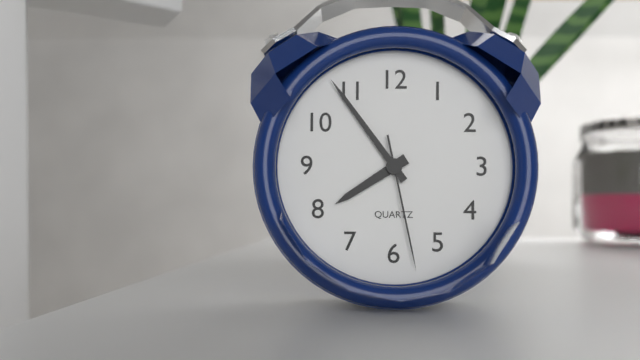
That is 7:54:28
